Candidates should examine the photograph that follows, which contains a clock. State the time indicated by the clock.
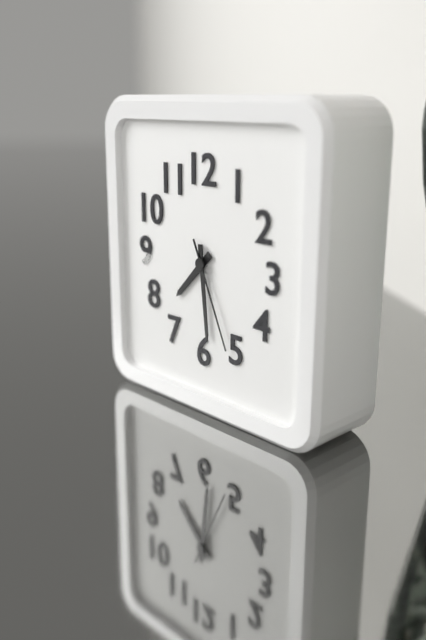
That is 7:29:26
